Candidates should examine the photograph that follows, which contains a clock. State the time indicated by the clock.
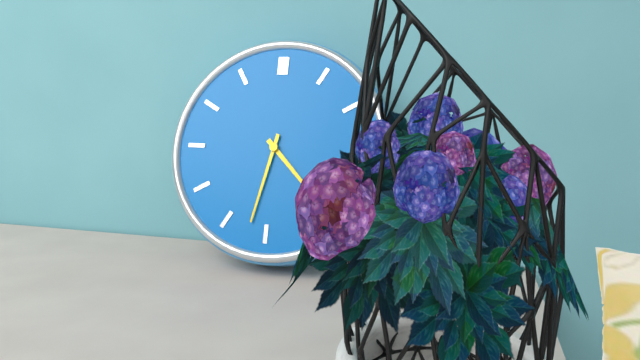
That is 4:32
